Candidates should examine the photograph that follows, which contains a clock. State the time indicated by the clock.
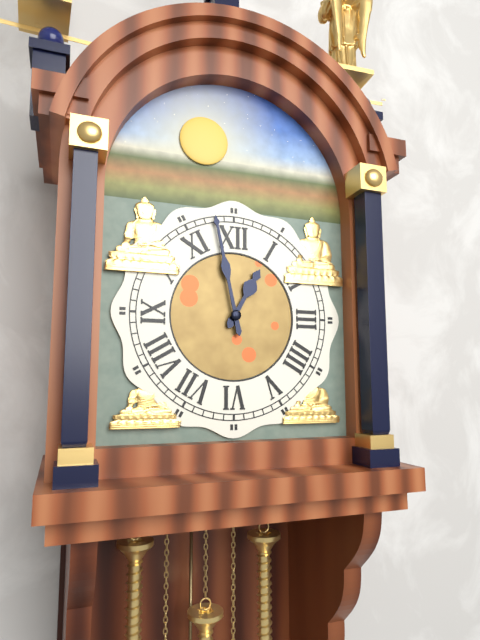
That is 12:58
